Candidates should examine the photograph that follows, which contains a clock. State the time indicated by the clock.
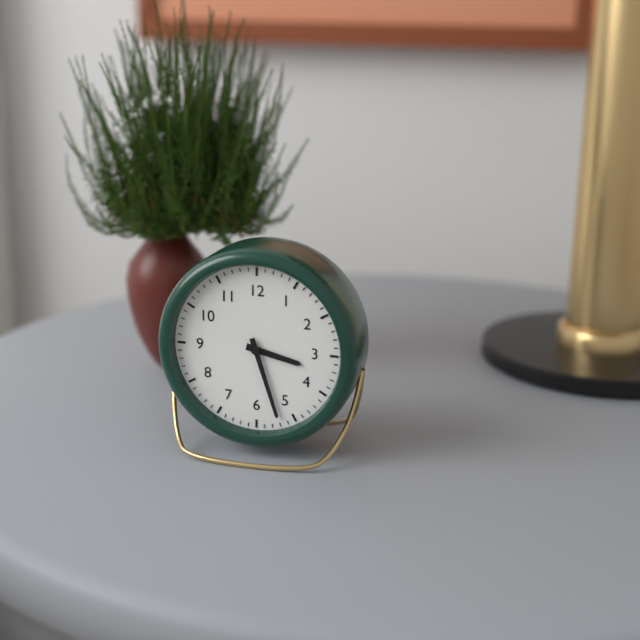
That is 3:27
